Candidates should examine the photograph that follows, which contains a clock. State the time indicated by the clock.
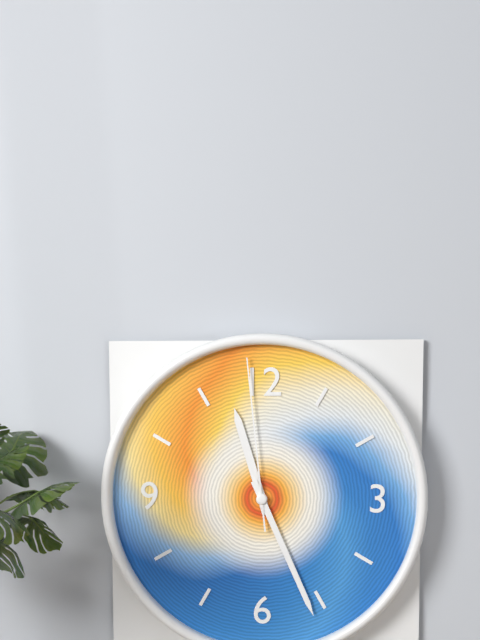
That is 11:26:59
